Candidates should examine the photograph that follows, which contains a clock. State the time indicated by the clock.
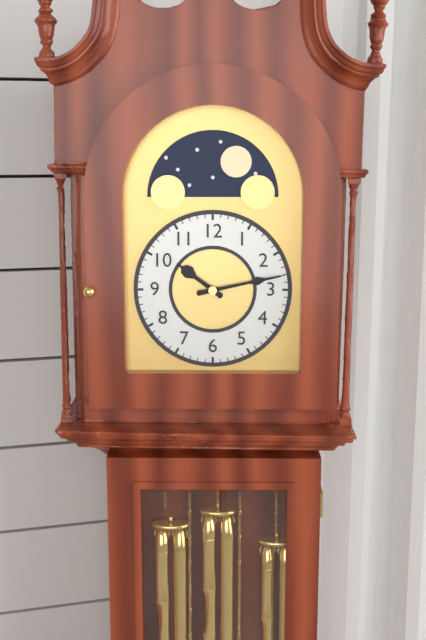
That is 10:13
